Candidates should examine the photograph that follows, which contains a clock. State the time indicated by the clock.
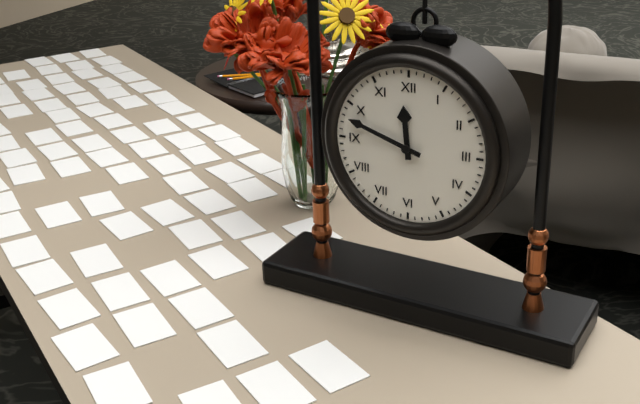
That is 11:48
